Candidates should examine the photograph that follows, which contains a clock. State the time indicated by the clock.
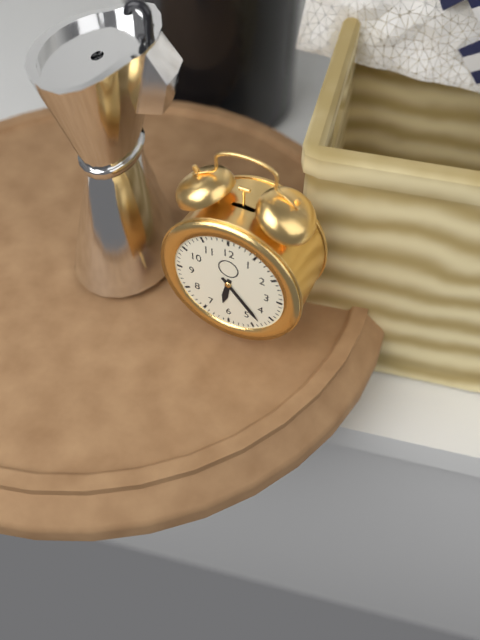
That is 6:23
